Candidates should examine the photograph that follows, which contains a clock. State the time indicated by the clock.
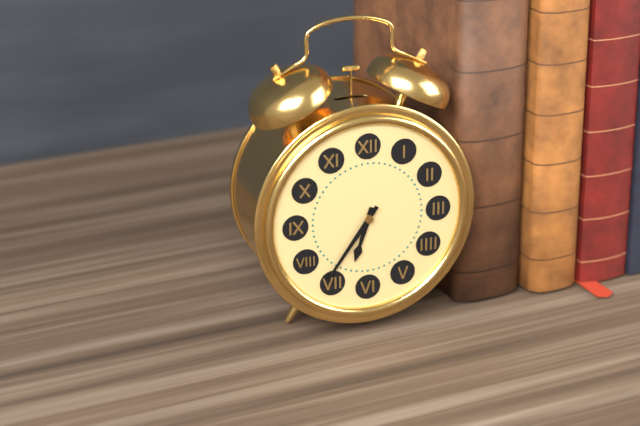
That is 6:36
